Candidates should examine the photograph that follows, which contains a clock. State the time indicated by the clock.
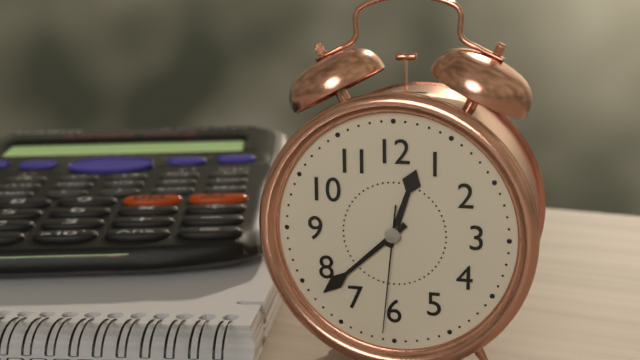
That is 12:38:31
